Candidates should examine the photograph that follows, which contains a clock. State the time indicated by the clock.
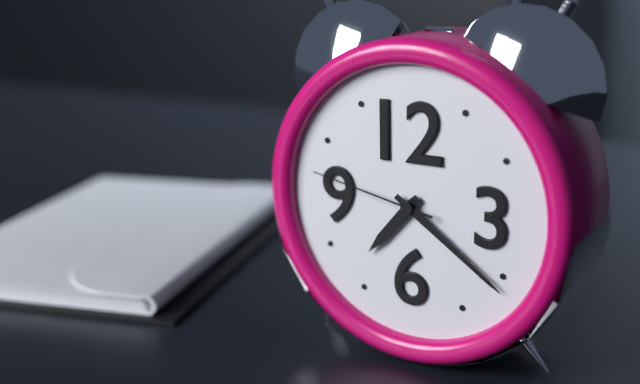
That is 7:21:47
